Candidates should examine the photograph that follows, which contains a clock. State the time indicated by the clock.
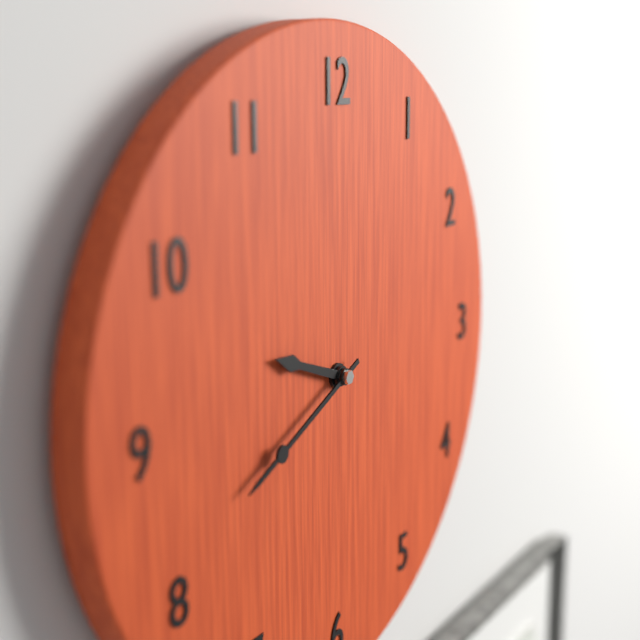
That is 9:41
